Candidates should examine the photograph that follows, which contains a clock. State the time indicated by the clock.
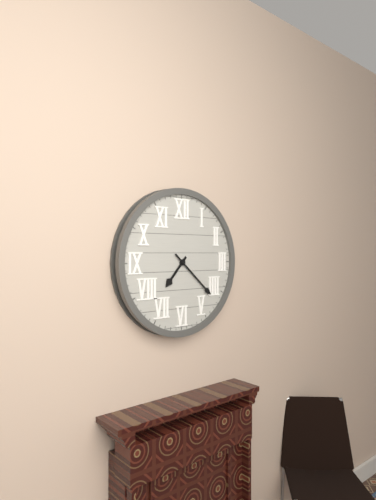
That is 7:22
